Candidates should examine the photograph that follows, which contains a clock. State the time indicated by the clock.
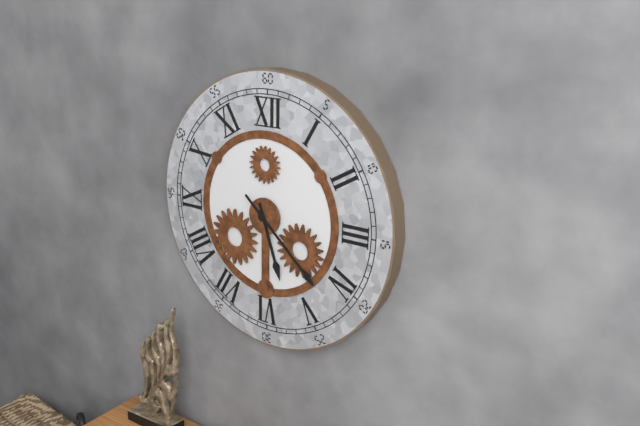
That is 5:22
